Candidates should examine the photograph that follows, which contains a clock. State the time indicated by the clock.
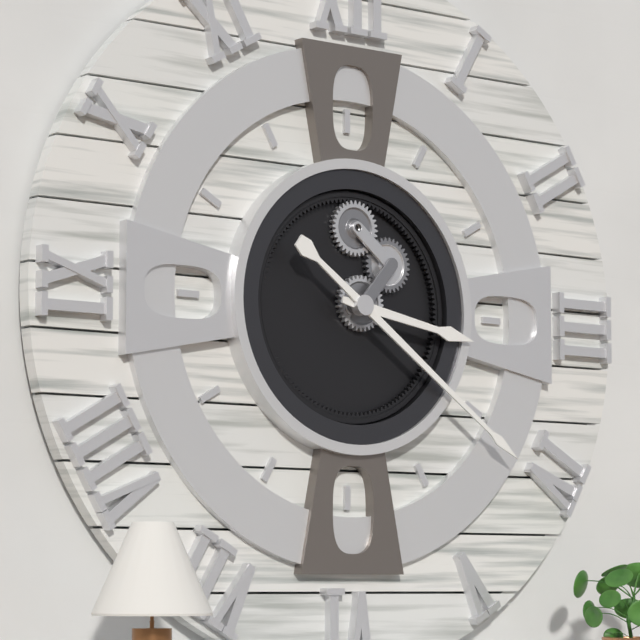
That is 3:21
